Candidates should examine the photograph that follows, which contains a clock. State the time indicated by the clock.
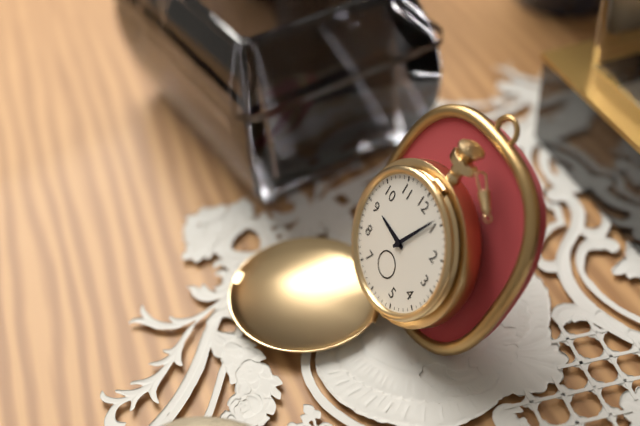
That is 9:04
